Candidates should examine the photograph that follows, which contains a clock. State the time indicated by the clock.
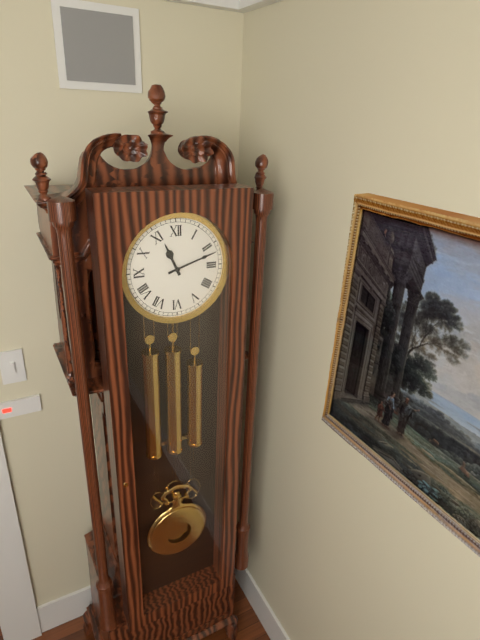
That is 11:12
